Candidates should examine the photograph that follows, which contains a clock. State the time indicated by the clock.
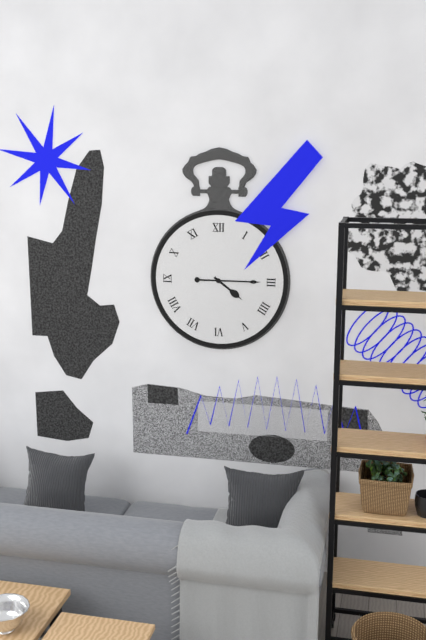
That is 4:15
